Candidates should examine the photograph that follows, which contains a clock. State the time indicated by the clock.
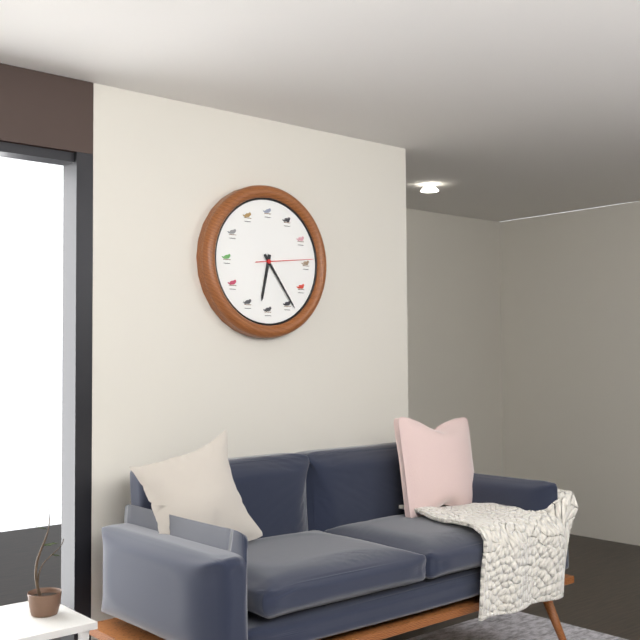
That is 6:24:14
